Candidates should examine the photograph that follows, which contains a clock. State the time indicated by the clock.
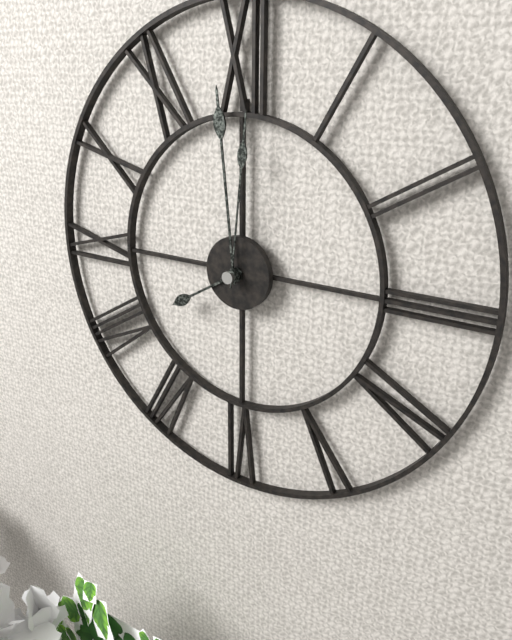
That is 7:59:01
